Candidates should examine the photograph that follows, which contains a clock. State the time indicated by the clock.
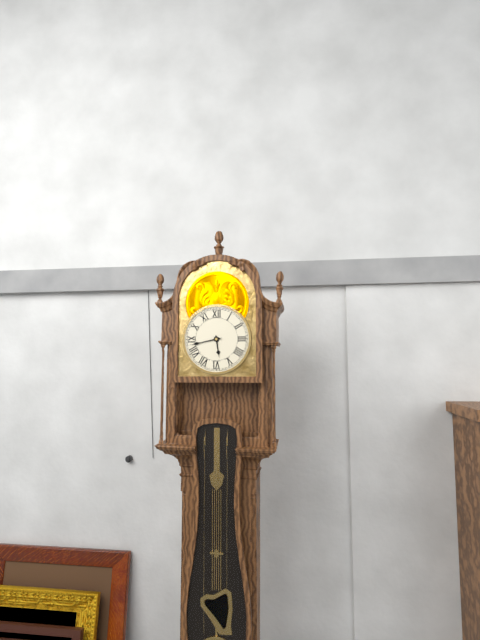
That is 5:43
